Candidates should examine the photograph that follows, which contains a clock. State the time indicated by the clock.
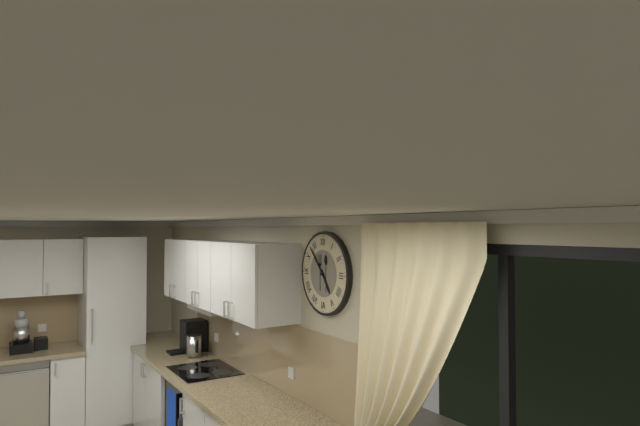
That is 4:53
